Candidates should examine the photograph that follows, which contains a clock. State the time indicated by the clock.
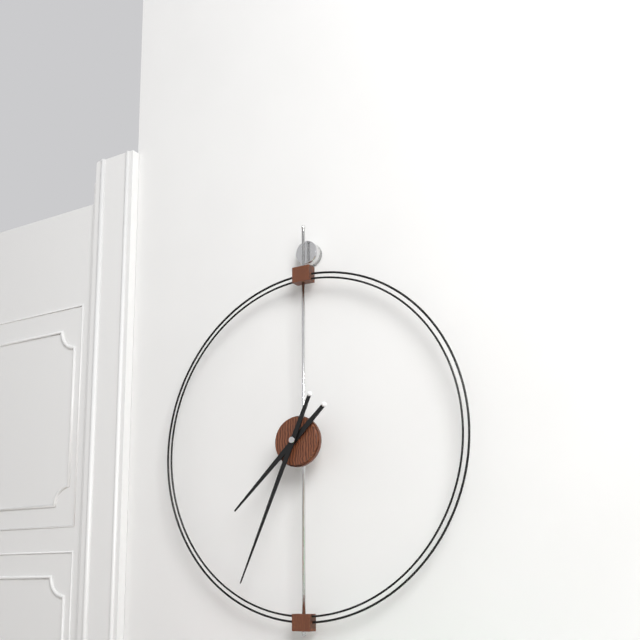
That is 7:34
